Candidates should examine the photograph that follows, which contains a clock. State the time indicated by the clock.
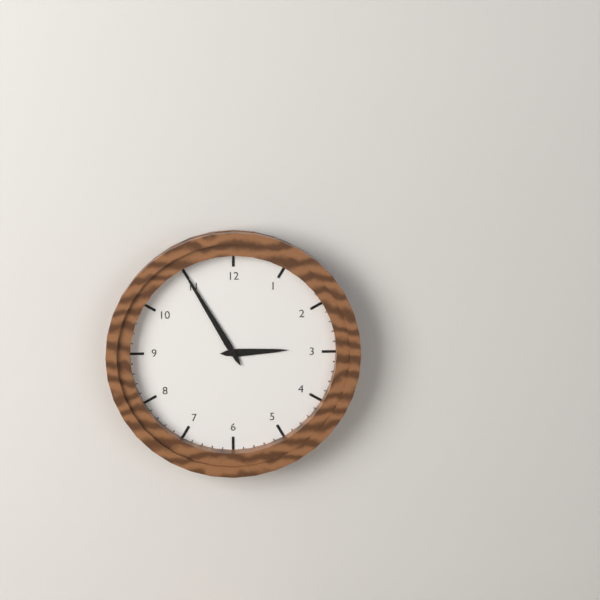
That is 2:55
